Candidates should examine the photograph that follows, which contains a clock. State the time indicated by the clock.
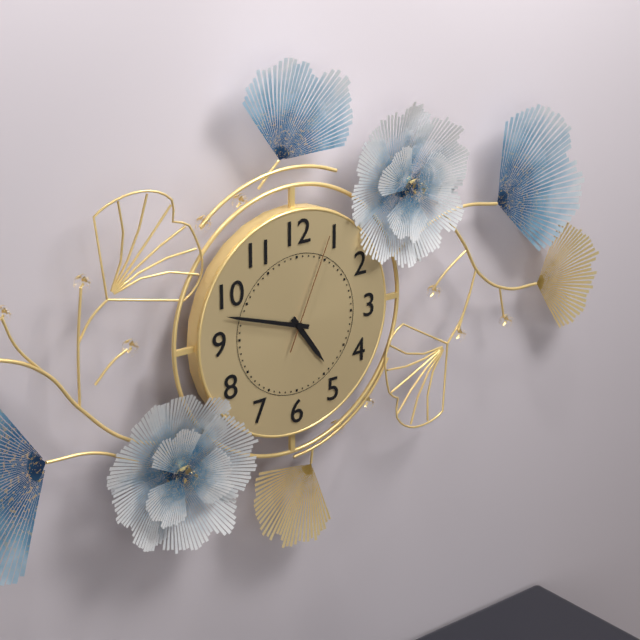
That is 4:48:04
